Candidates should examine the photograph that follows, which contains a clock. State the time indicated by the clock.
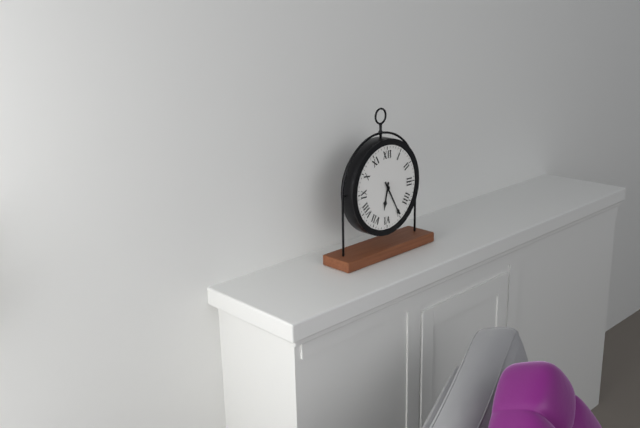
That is 6:25
